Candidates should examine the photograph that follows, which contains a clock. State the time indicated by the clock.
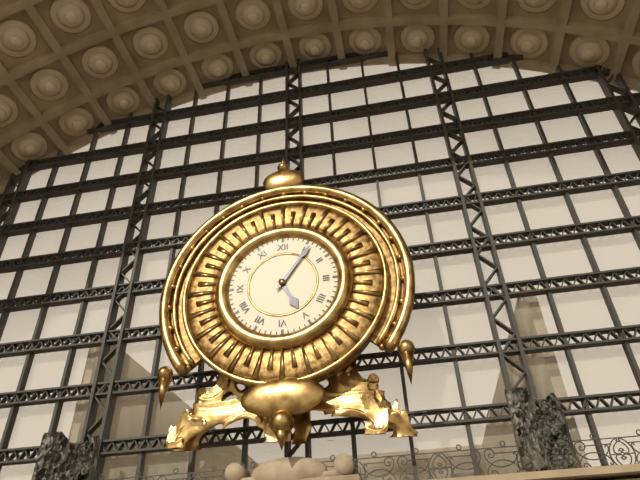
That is 5:06
